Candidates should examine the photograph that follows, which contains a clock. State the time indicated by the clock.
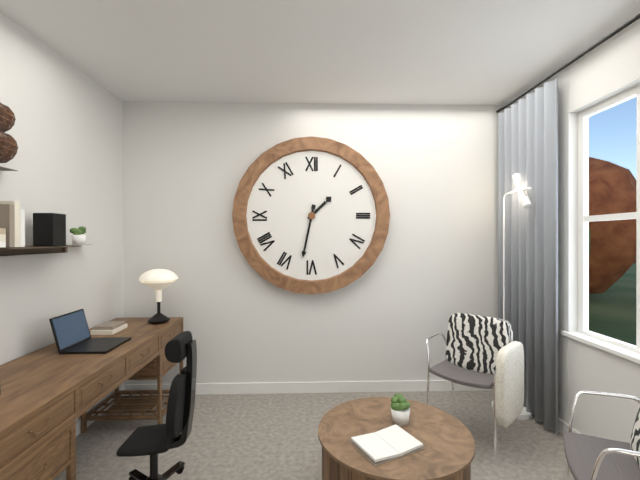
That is 1:32
